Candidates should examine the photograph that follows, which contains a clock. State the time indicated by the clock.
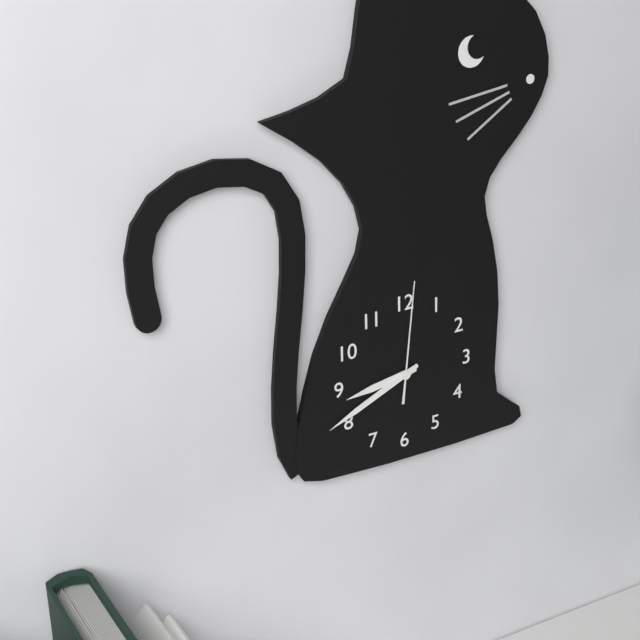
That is 8:41:01
